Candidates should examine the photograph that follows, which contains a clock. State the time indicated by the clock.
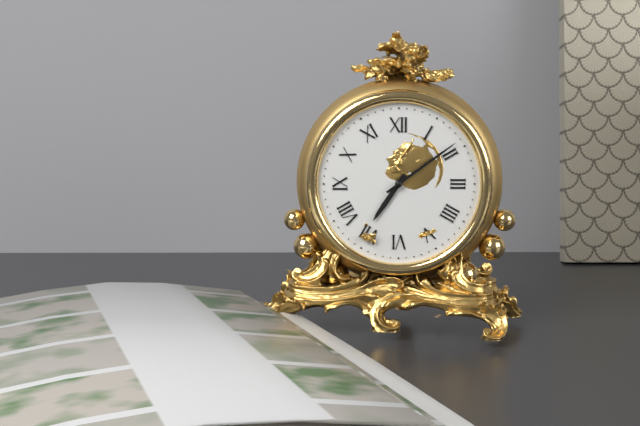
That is 7:09
